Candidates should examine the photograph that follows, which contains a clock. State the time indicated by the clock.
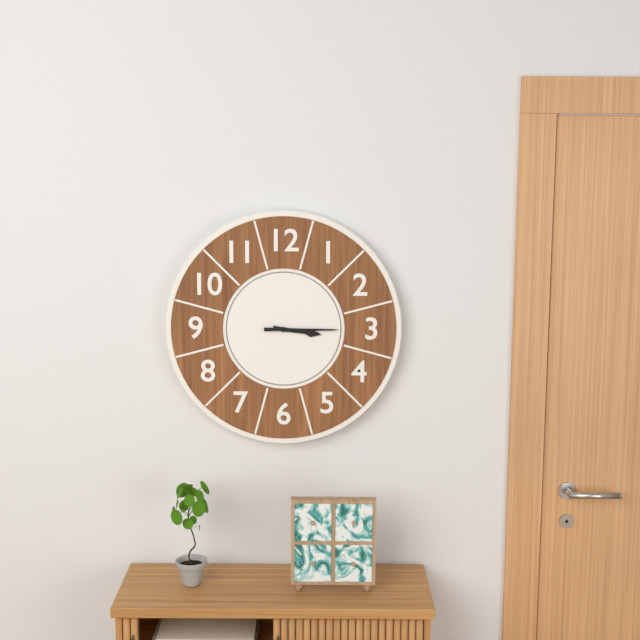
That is 3:15
